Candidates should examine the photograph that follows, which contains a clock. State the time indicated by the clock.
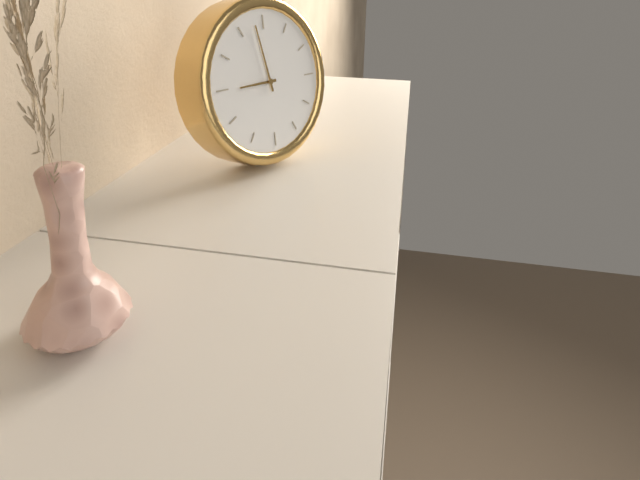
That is 8:58
